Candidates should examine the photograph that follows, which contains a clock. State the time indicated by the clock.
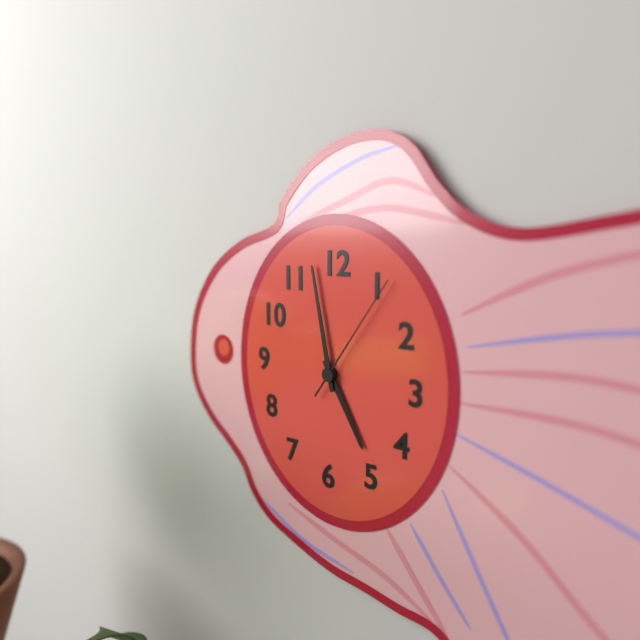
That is 4:58:06
